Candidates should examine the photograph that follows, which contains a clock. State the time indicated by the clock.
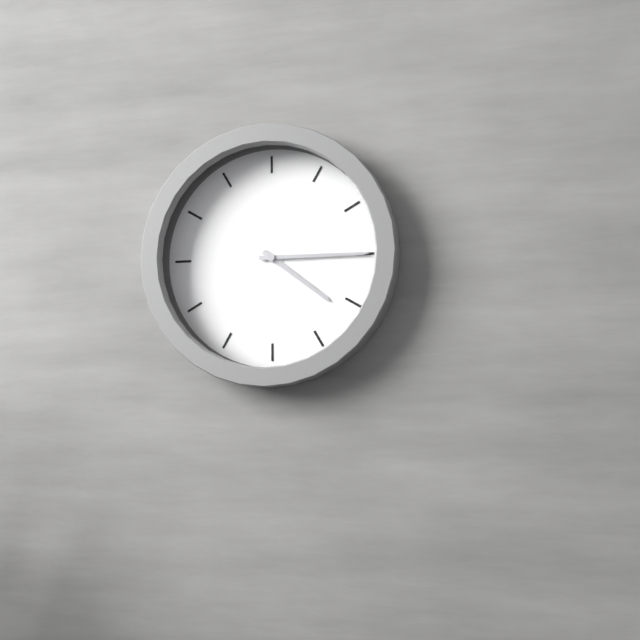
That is 4:15
